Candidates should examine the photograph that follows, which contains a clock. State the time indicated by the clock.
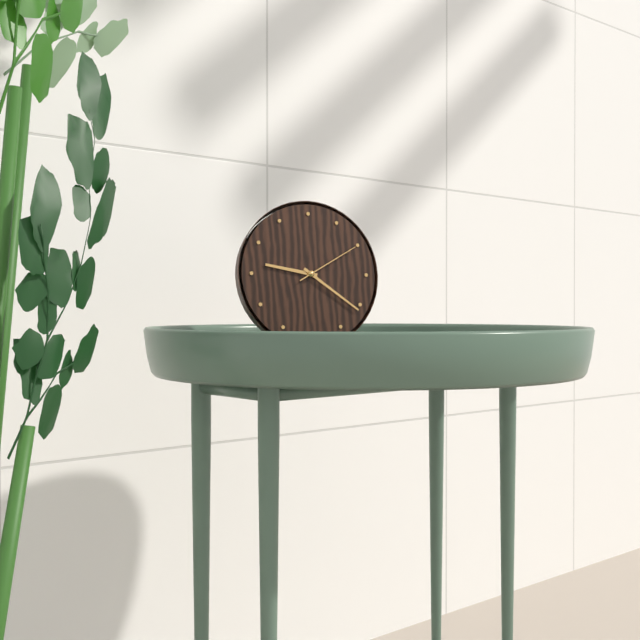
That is 9:21:10
